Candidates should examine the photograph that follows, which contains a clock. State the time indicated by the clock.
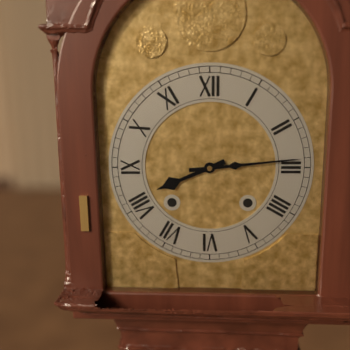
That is 8:14
